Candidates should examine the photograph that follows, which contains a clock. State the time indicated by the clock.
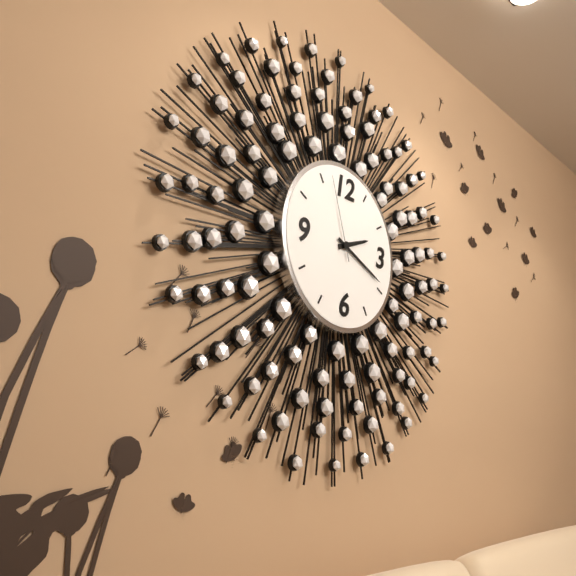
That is 2:19:57
